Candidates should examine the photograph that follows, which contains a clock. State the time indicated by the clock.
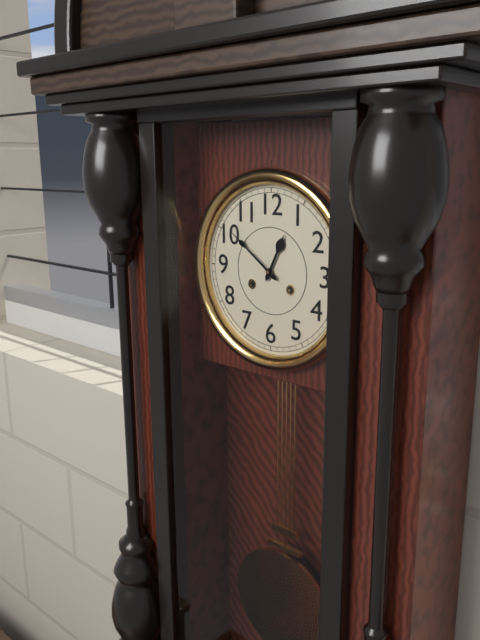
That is 12:51
